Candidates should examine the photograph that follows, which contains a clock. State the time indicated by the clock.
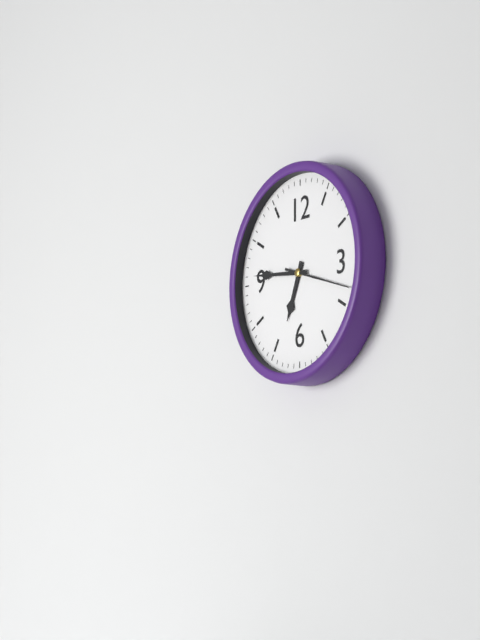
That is 6:46
